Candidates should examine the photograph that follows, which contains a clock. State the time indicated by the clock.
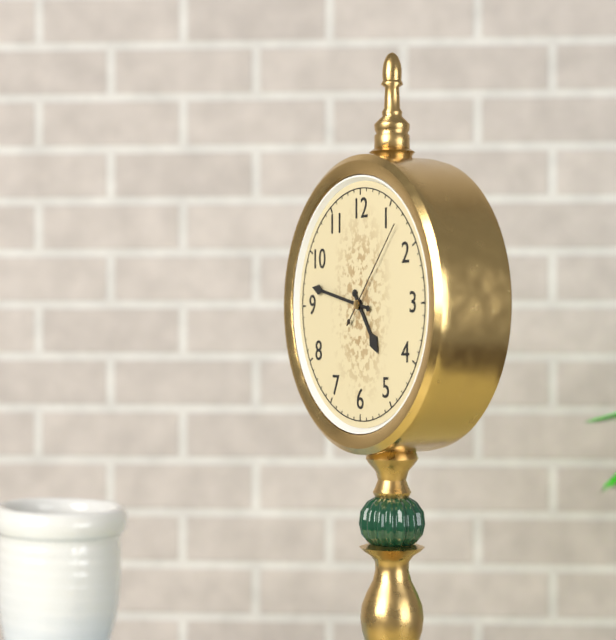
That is 4:47:07
